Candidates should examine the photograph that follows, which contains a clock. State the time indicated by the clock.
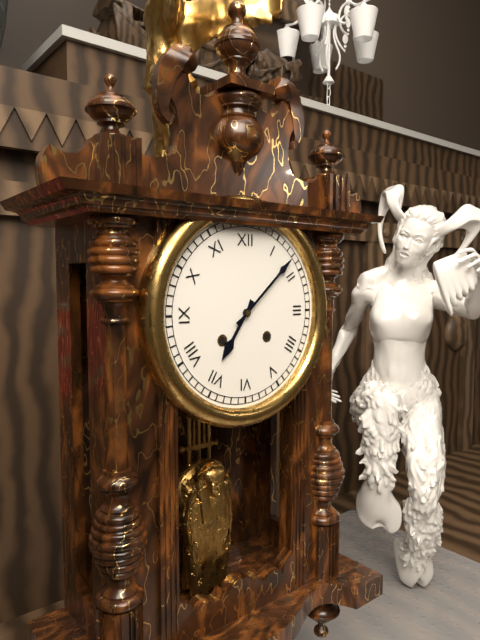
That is 7:08
